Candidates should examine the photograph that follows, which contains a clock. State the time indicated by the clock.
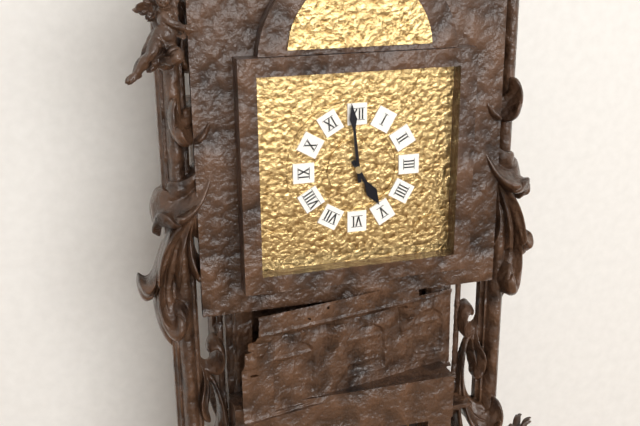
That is 4:59
